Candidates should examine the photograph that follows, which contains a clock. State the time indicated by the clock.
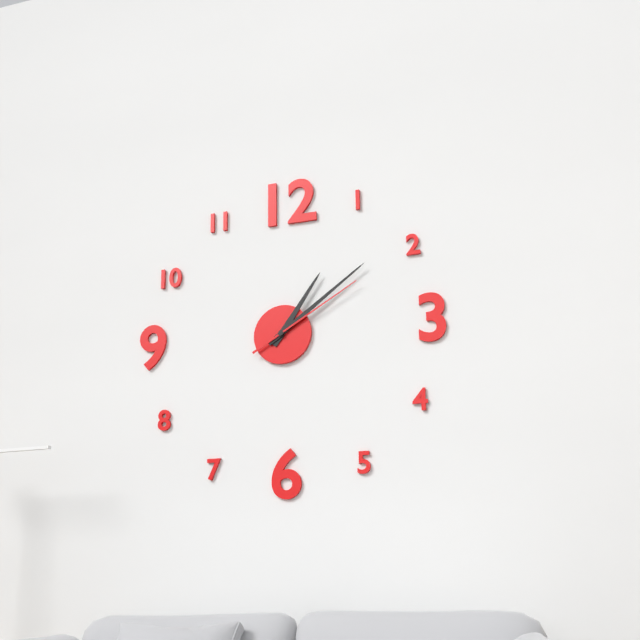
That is 1:09:10
